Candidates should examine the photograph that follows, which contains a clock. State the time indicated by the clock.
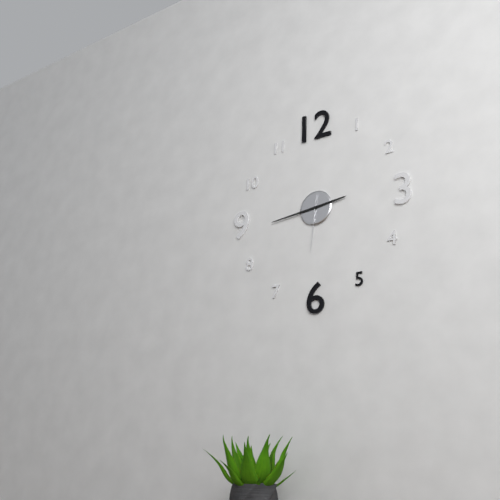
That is 2:44:31
